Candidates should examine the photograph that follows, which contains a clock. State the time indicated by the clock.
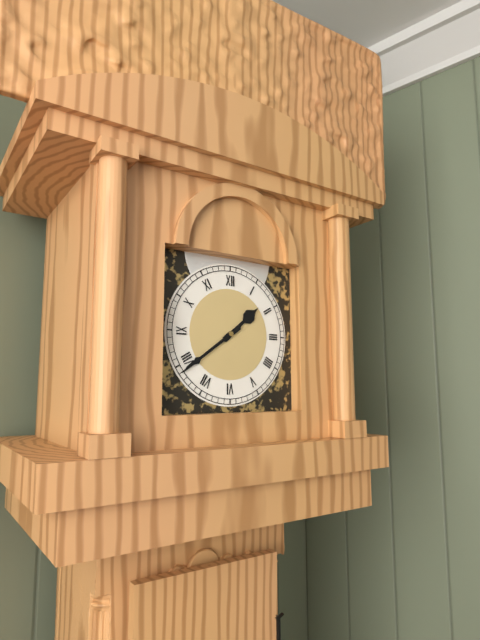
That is 1:39
